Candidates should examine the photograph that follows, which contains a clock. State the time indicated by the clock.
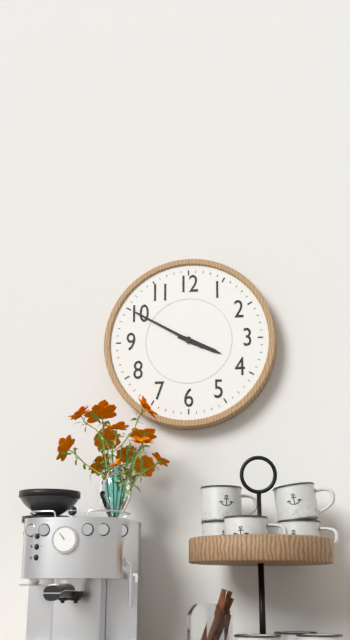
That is 3:50
